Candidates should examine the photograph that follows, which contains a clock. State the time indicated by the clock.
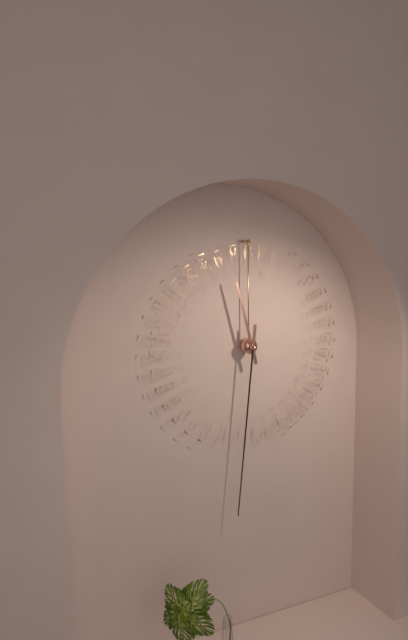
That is 11:31
